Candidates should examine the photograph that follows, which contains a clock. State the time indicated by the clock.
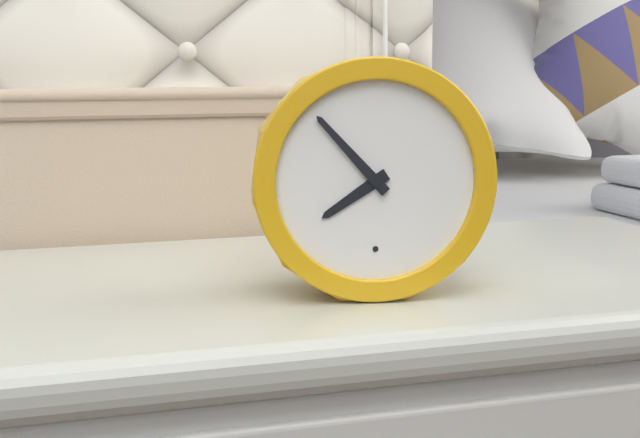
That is 7:53
